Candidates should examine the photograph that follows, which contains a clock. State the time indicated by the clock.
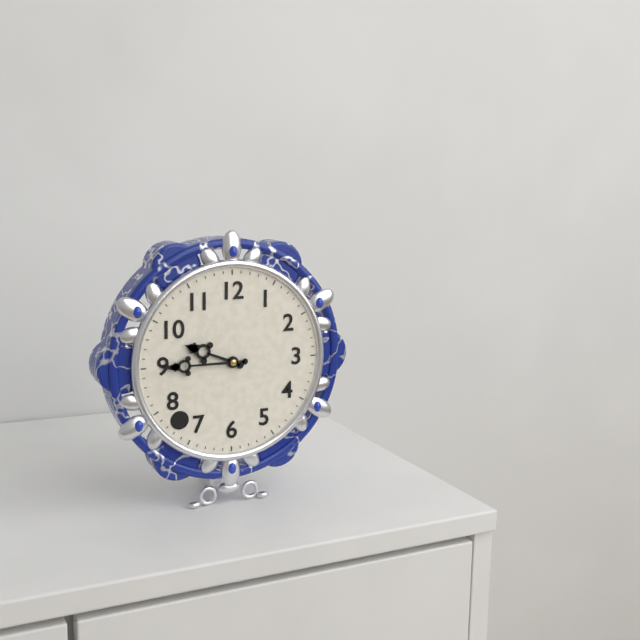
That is 9:45
